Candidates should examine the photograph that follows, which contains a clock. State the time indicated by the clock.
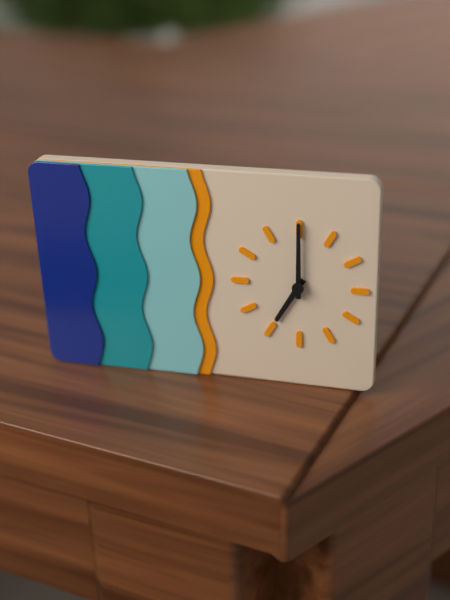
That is 7:00
